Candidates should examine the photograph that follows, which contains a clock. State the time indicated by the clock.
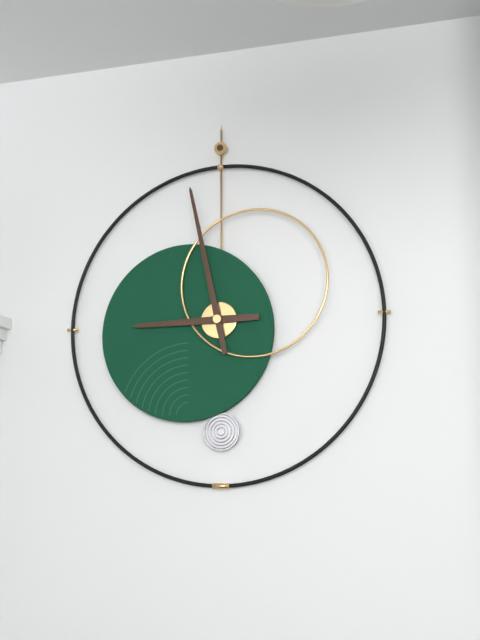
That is 8:58
